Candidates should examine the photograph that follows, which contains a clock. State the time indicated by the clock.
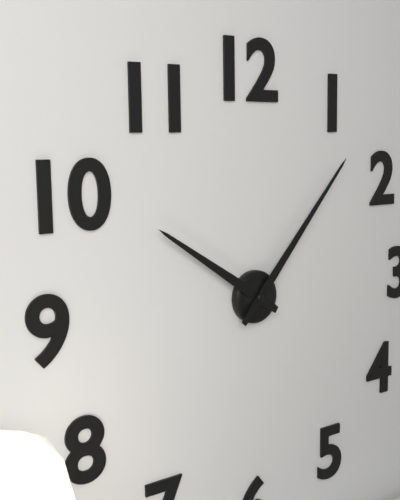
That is 10:07
